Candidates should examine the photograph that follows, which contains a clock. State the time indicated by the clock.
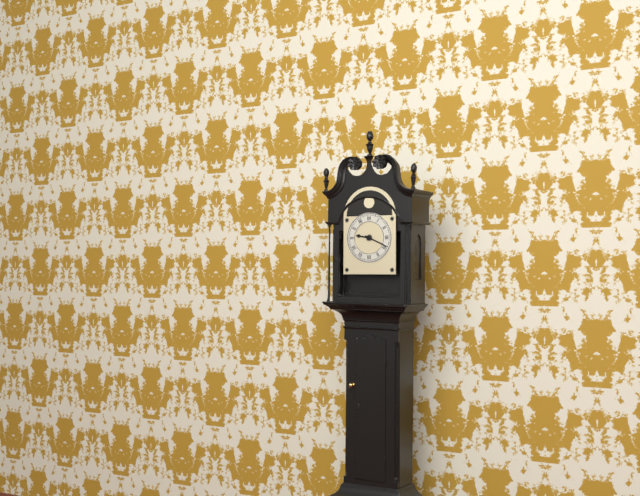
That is 9:19
